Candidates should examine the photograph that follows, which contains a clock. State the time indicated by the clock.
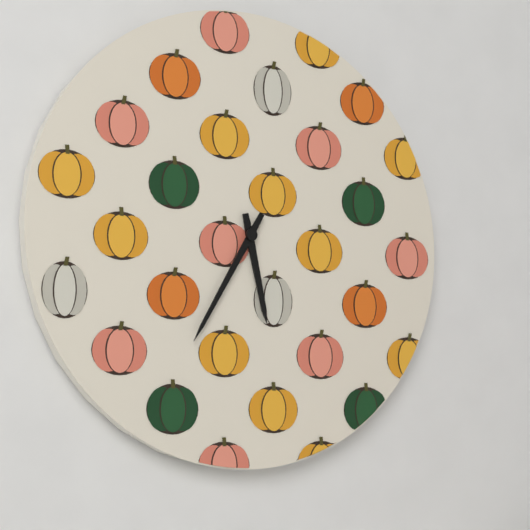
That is 5:35
